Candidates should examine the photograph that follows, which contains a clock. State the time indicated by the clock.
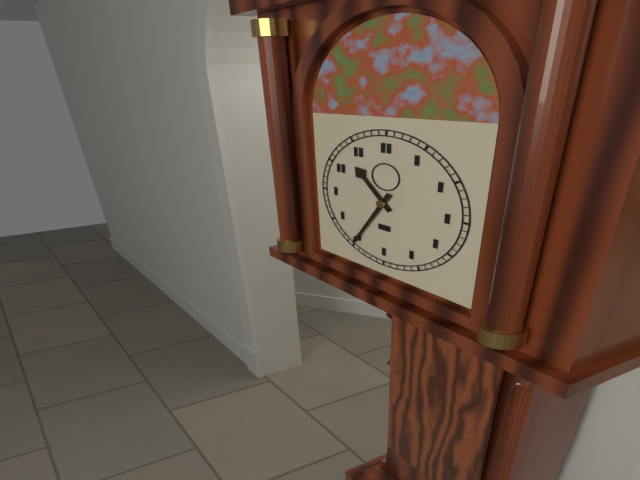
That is 10:35
